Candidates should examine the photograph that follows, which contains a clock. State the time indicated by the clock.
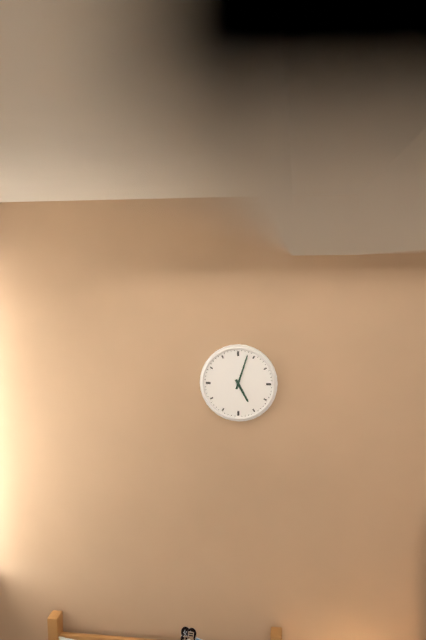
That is 5:03
